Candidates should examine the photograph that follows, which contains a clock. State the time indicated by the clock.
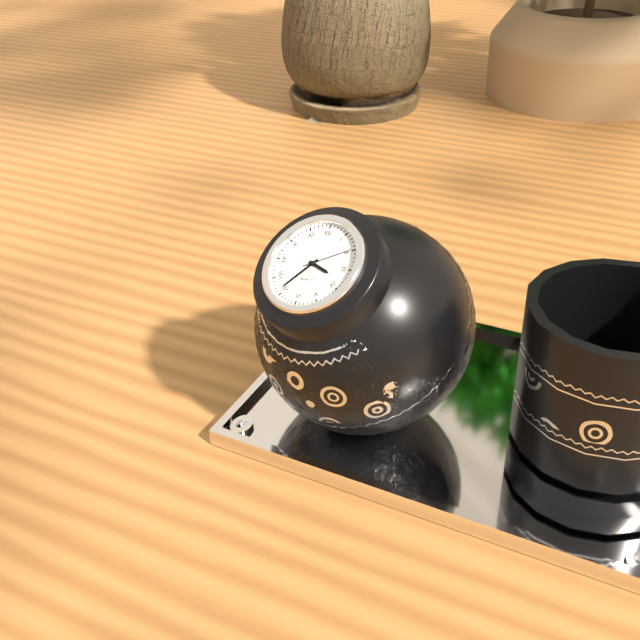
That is 3:36:10
